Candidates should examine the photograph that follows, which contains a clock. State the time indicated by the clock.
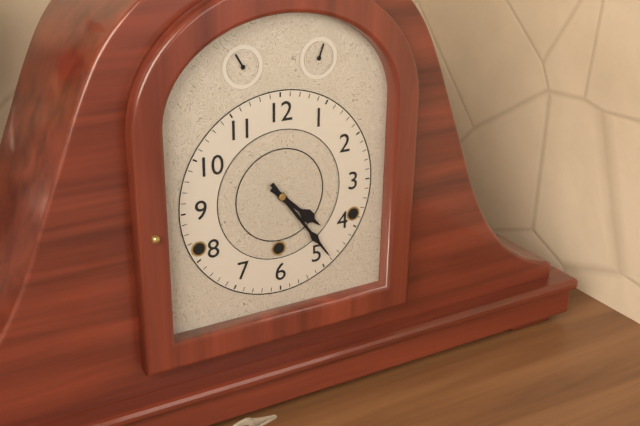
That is 4:24
